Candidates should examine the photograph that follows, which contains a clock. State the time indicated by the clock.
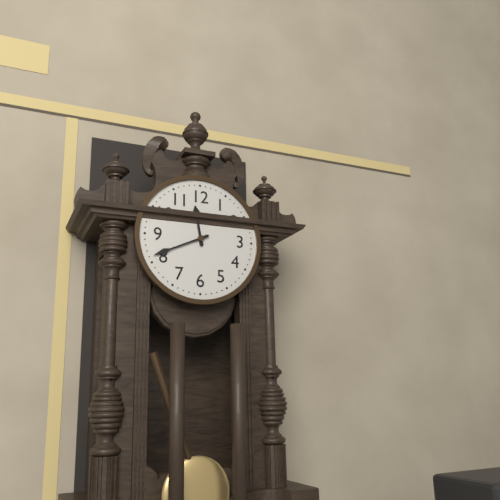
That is 11:41
